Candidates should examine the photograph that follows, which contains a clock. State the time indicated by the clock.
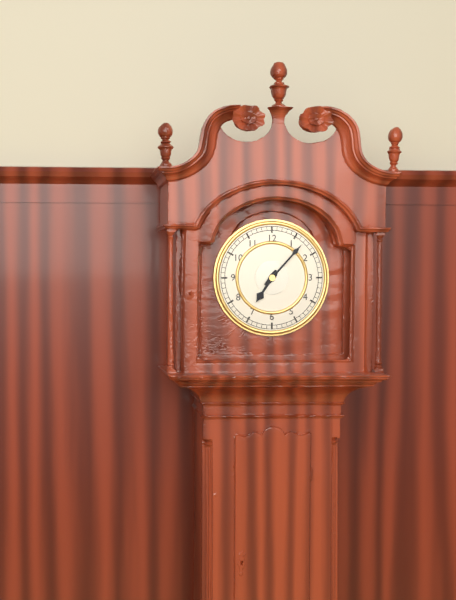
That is 7:07
